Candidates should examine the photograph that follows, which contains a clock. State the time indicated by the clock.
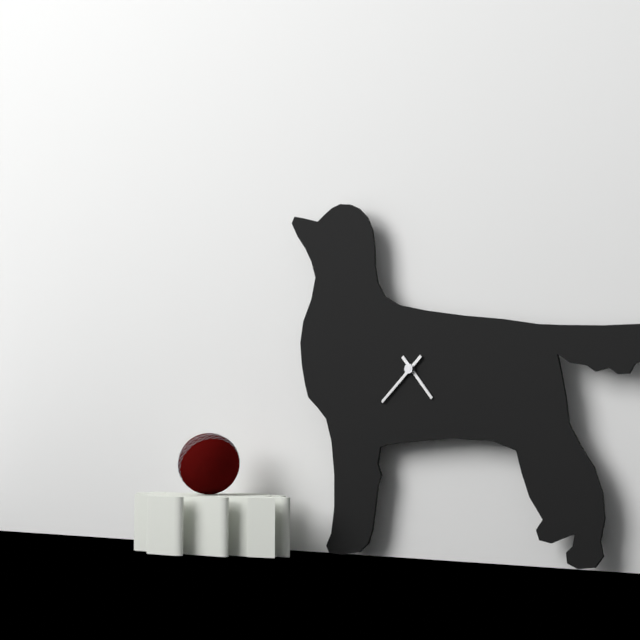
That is 4:38
